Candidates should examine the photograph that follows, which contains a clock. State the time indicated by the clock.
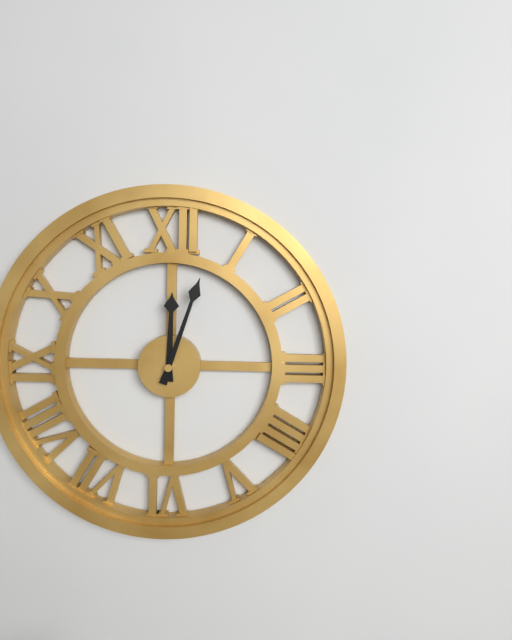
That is 12:03
